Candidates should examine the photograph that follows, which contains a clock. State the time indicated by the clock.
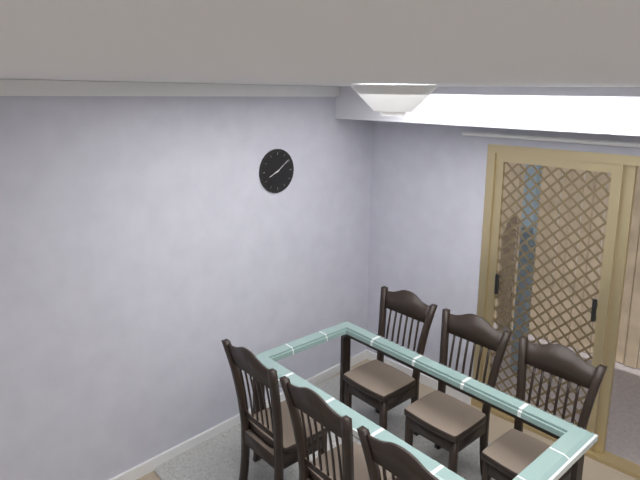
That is 8:09
